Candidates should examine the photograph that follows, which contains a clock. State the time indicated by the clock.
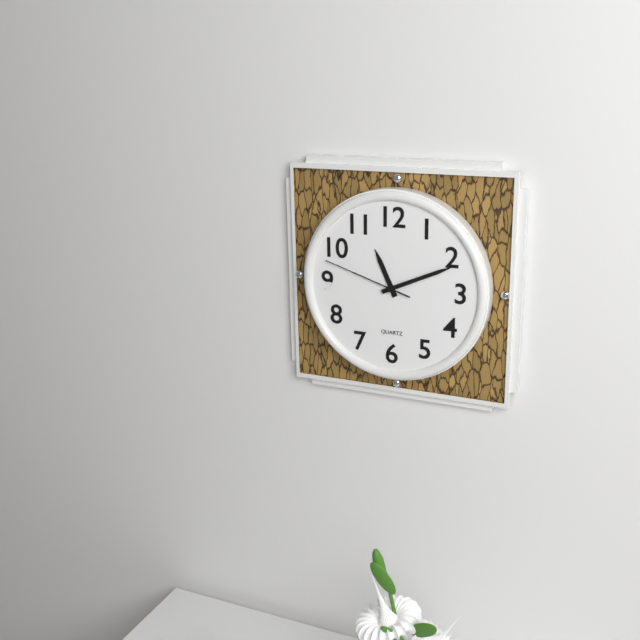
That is 11:11:48
